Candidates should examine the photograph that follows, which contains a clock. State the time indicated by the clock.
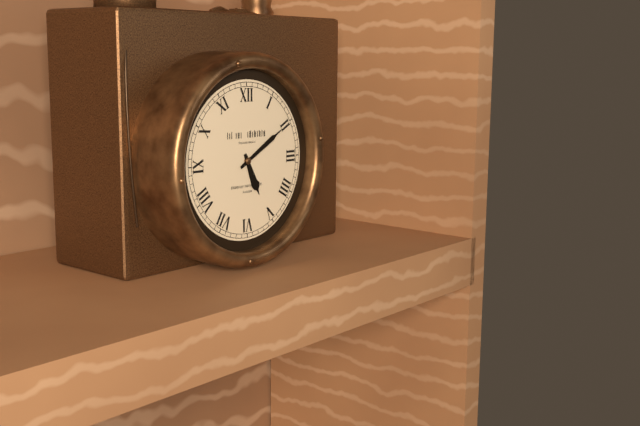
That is 5:10
